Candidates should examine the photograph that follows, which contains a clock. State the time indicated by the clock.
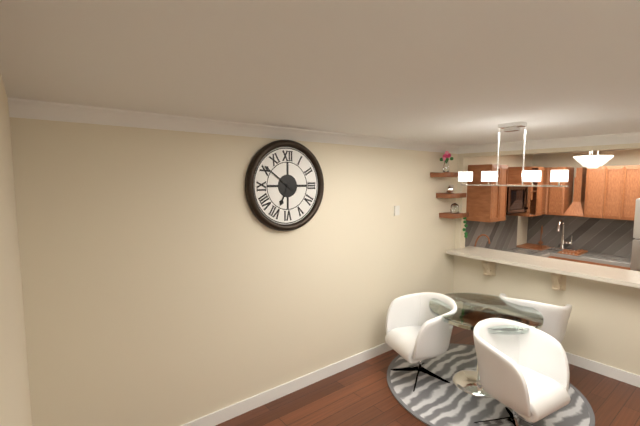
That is 6:51
